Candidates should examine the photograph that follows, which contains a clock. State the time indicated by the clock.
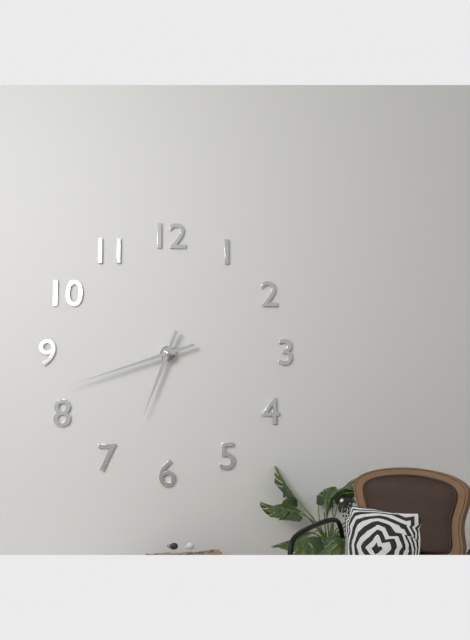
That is 6:42
